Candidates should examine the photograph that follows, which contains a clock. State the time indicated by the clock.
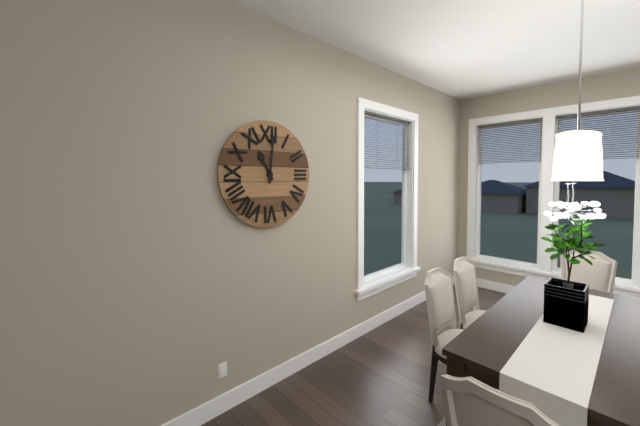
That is 11:01
